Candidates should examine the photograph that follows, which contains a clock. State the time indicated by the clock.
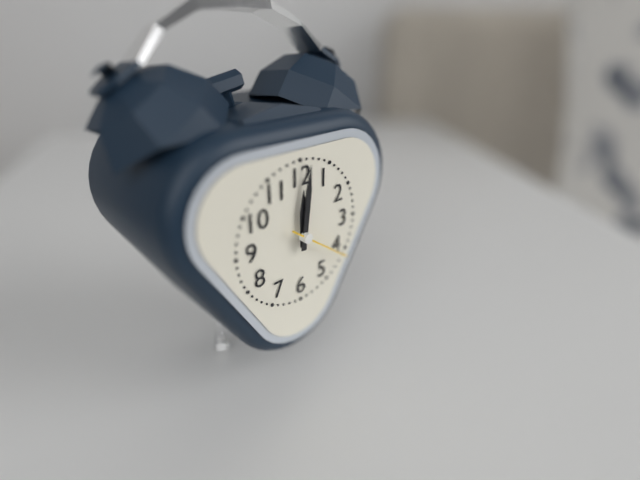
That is 12:01:21
